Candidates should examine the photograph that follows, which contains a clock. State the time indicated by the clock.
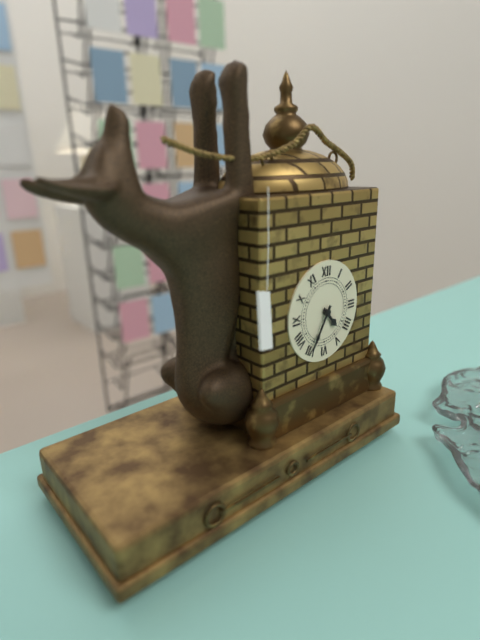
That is 4:35
